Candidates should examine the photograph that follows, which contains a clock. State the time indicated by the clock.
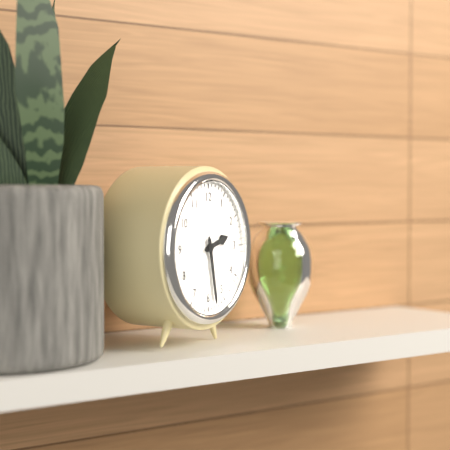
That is 2:28
